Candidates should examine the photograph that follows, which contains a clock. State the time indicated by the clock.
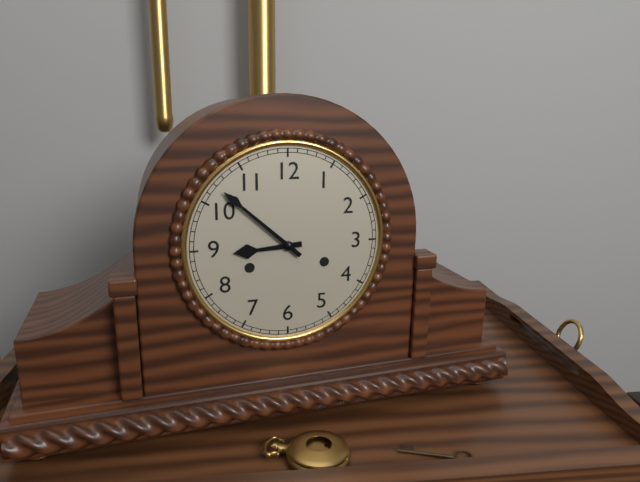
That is 8:52
